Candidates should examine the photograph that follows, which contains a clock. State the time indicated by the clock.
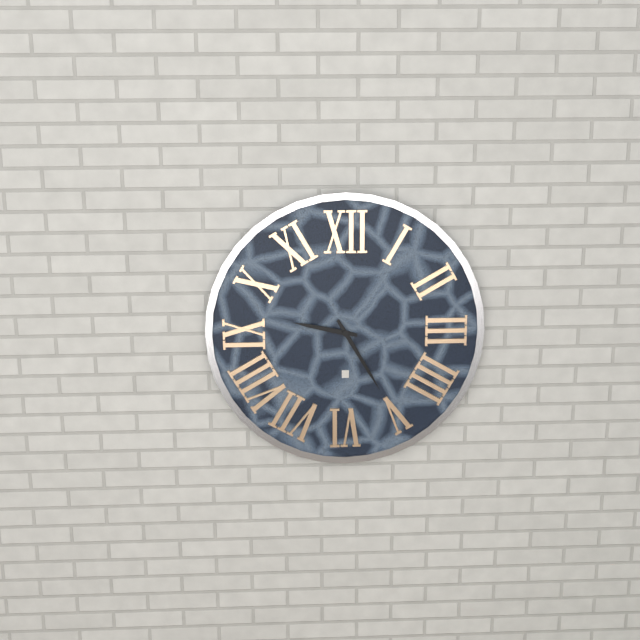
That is 9:25
